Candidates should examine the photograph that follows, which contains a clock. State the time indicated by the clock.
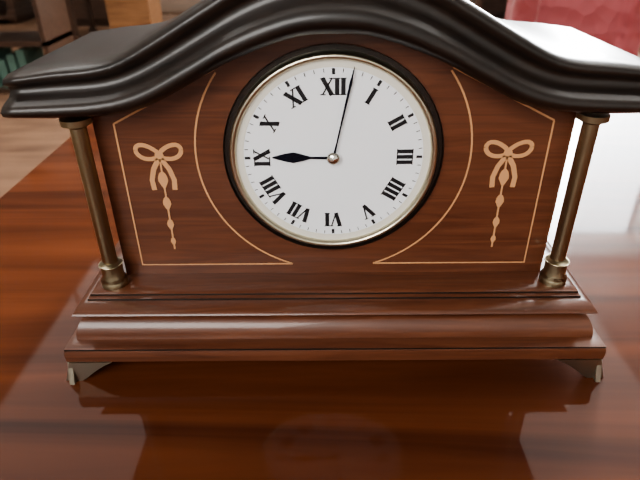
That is 9:02
